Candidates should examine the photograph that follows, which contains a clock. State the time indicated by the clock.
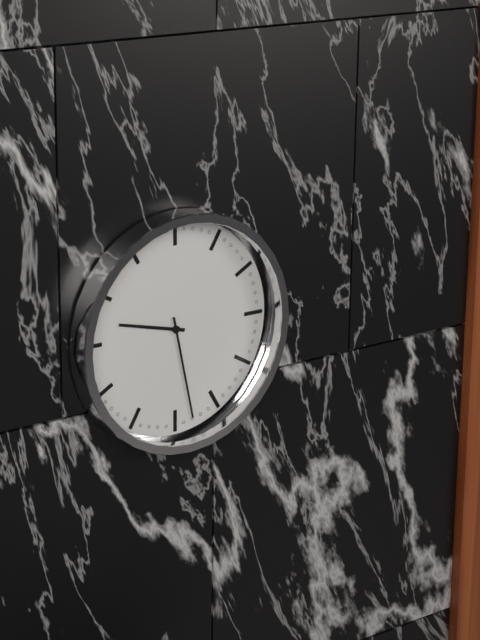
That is 9:28
